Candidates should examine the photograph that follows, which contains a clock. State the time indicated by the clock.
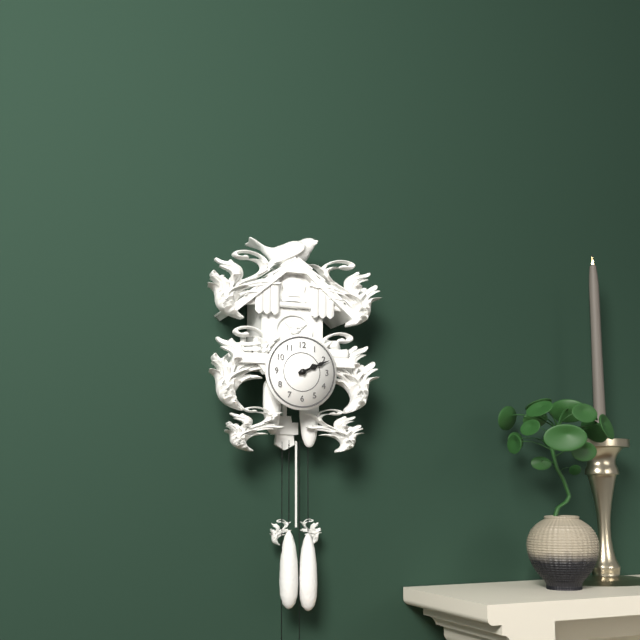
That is 2:11
